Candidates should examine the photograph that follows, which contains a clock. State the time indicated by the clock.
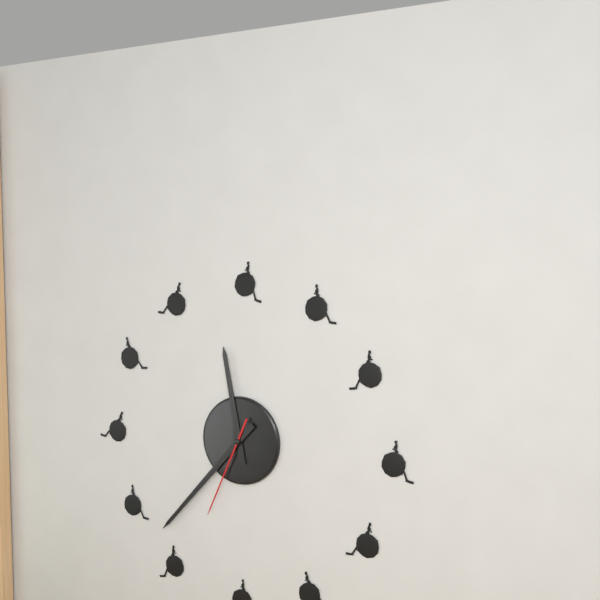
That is 11:37:34
